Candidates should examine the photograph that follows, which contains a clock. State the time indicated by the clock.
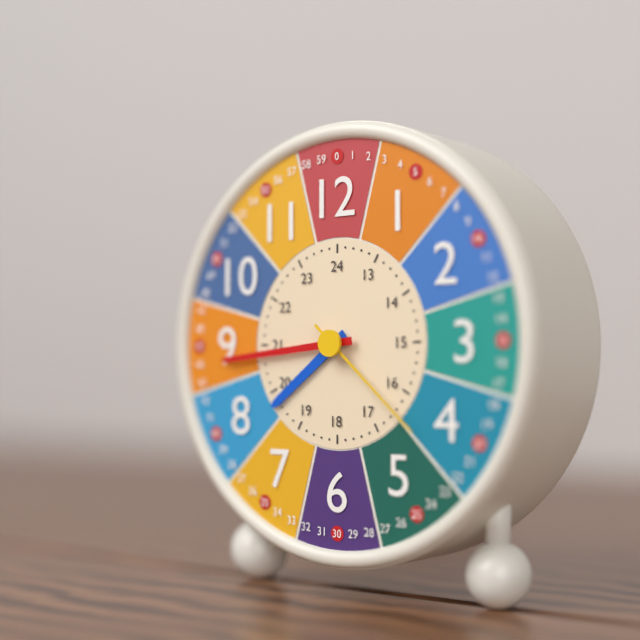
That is 7:44:22
